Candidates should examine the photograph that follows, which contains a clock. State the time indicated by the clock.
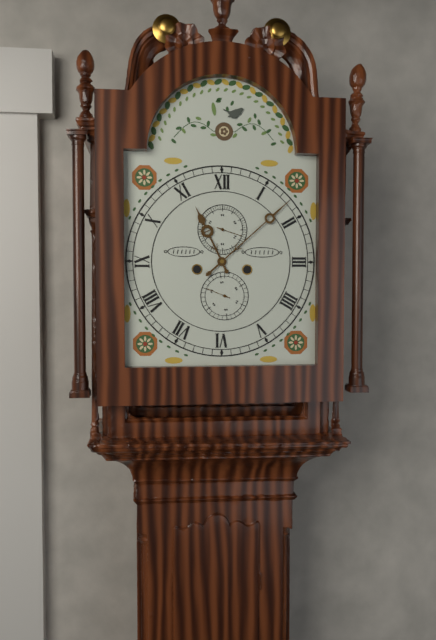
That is 11:08
